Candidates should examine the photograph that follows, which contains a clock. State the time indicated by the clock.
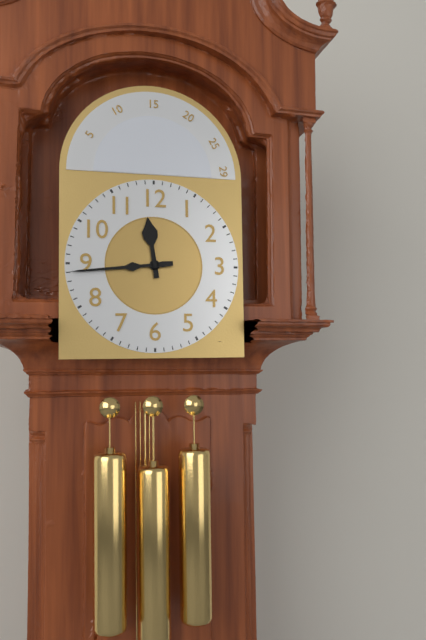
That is 11:44
